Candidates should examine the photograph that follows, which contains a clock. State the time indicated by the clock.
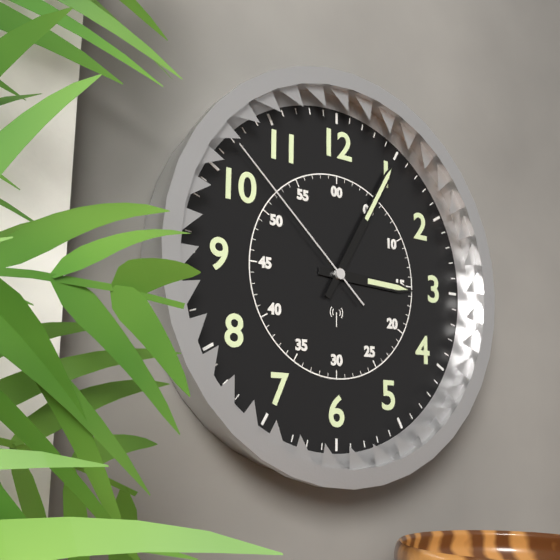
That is 3:05:52
